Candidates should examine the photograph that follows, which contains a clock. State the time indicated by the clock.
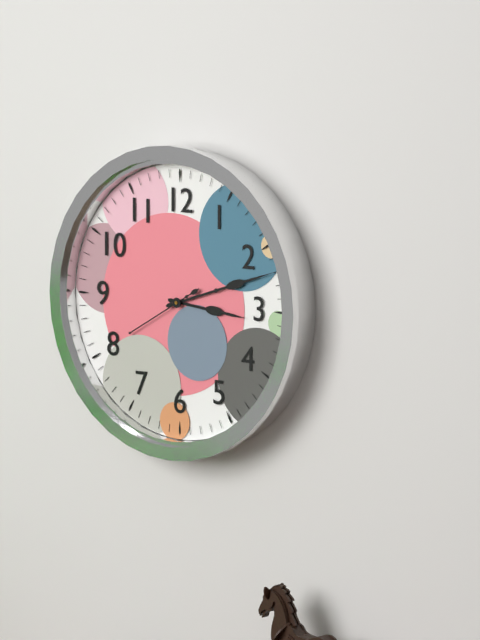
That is 3:12:40
